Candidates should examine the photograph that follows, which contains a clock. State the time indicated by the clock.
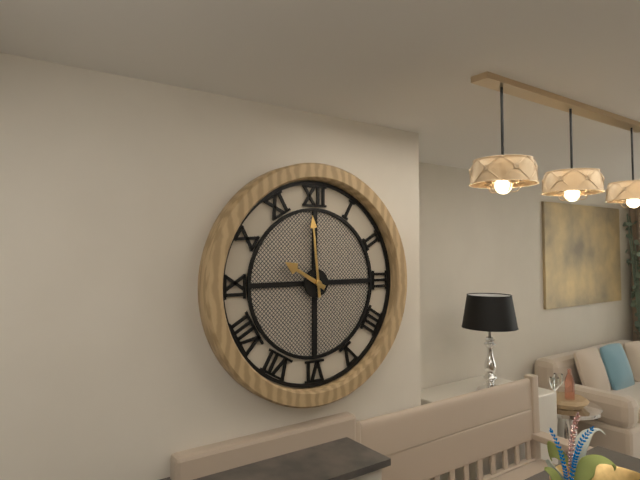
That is 9:59
